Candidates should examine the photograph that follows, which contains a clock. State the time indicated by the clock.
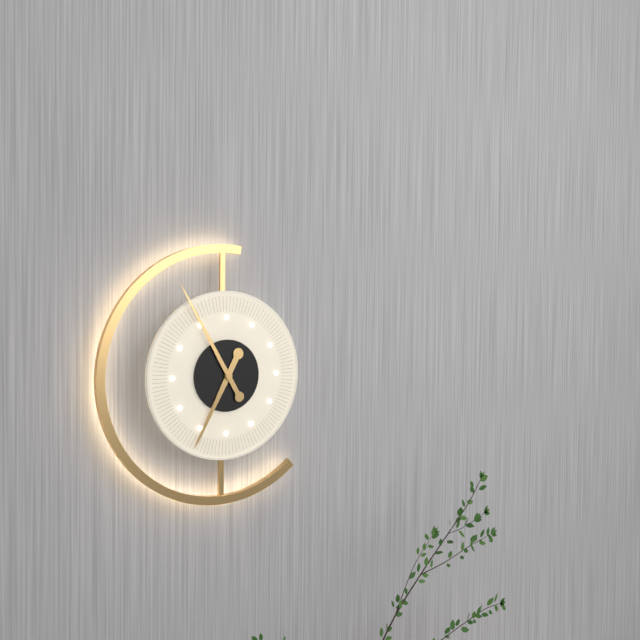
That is 6:55
